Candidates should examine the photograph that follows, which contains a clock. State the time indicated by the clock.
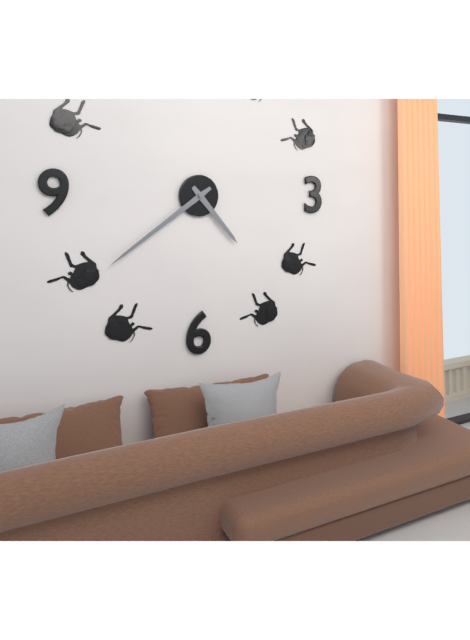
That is 4:39
